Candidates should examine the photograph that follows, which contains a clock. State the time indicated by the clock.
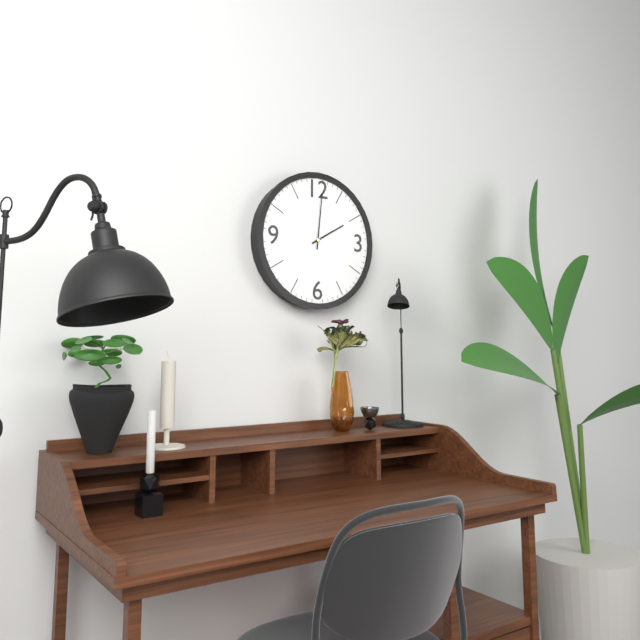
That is 2:01
